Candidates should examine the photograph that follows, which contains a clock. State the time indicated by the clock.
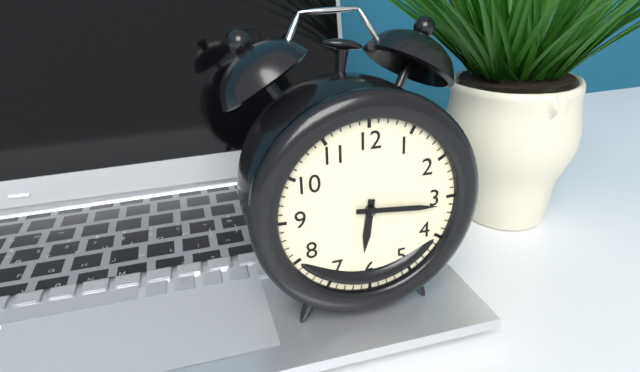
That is 6:16
